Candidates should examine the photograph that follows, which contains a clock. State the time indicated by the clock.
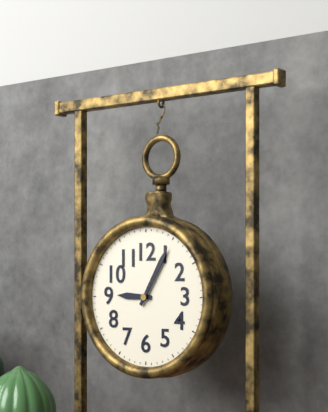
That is 9:05
